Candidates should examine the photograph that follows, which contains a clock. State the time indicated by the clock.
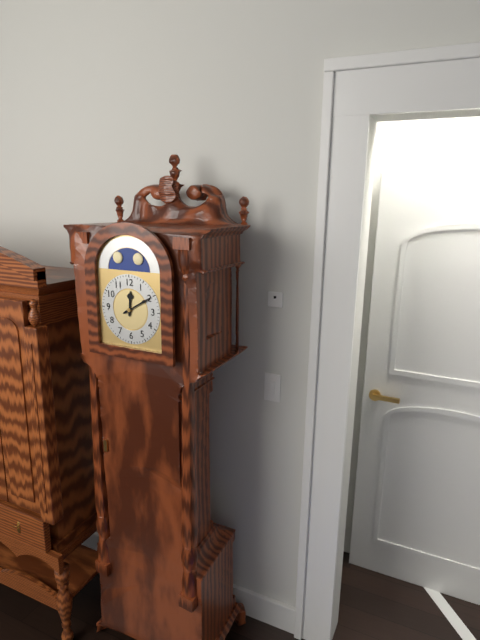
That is 12:10
